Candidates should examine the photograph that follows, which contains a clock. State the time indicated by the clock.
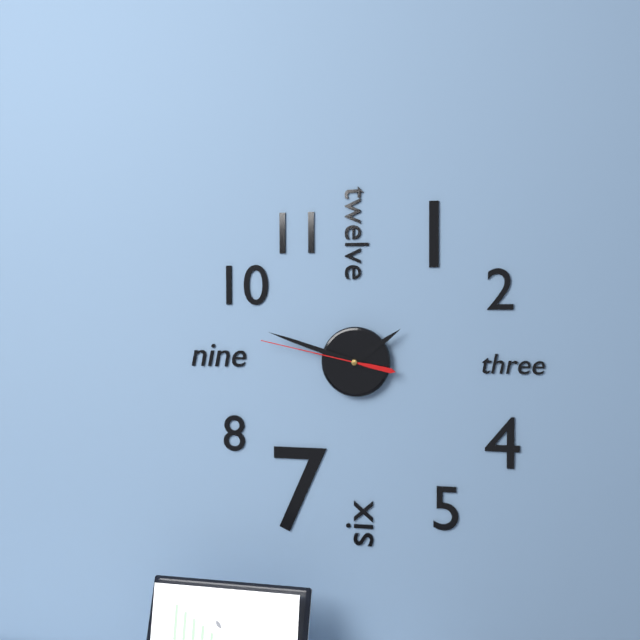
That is 1:48:47
